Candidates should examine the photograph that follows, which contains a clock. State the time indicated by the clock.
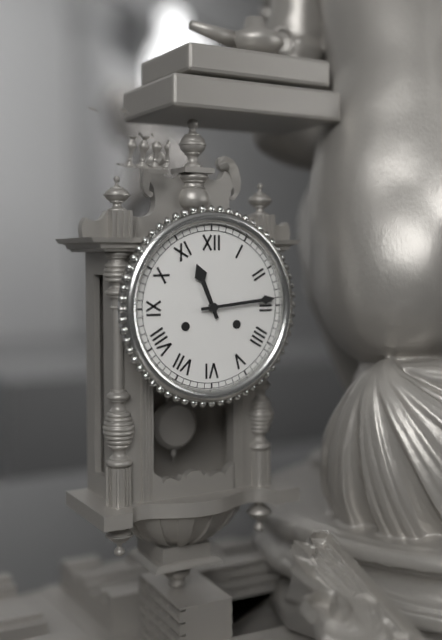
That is 11:14
